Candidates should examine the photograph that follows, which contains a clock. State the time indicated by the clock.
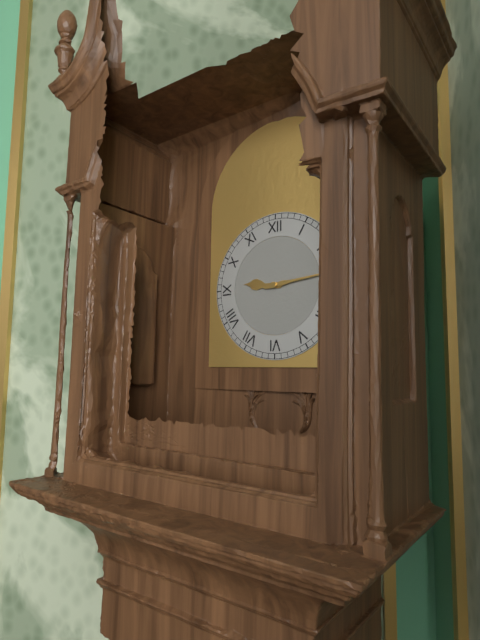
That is 9:14
